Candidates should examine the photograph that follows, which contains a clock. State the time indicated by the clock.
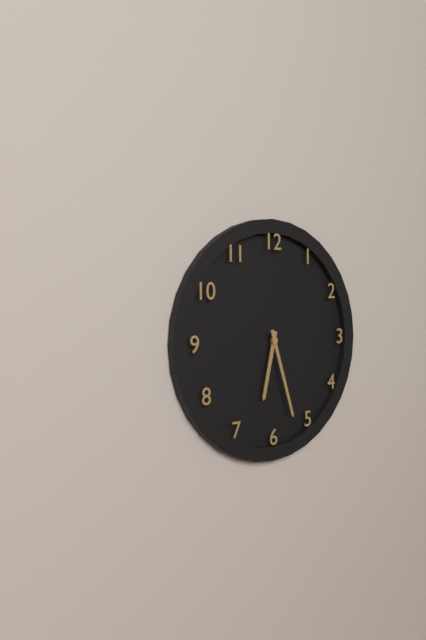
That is 6:27
